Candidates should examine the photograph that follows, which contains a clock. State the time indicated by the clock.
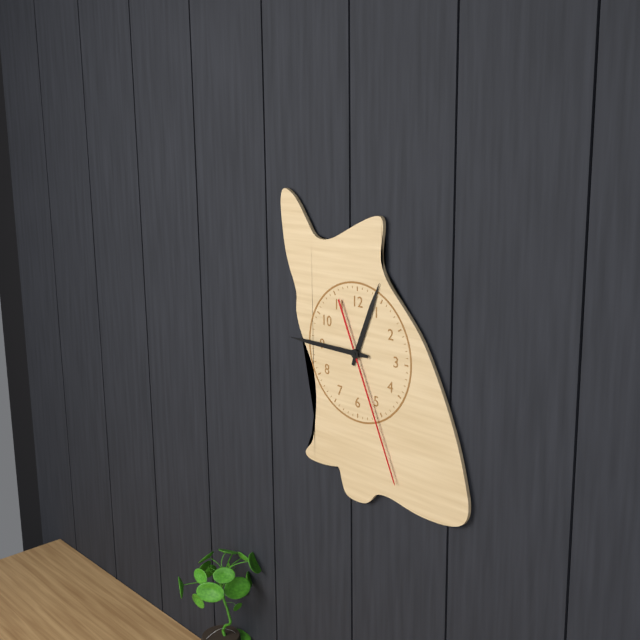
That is 12:45:26
